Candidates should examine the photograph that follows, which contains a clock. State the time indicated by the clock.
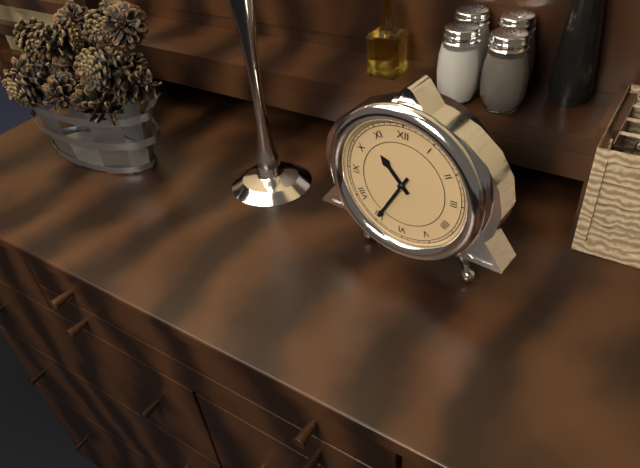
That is 10:35
